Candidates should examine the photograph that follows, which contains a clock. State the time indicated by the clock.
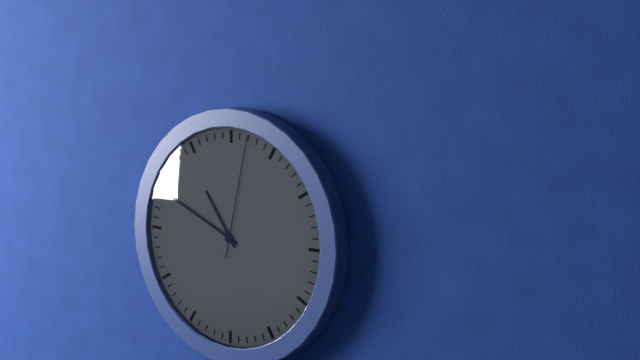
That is 10:49:02
